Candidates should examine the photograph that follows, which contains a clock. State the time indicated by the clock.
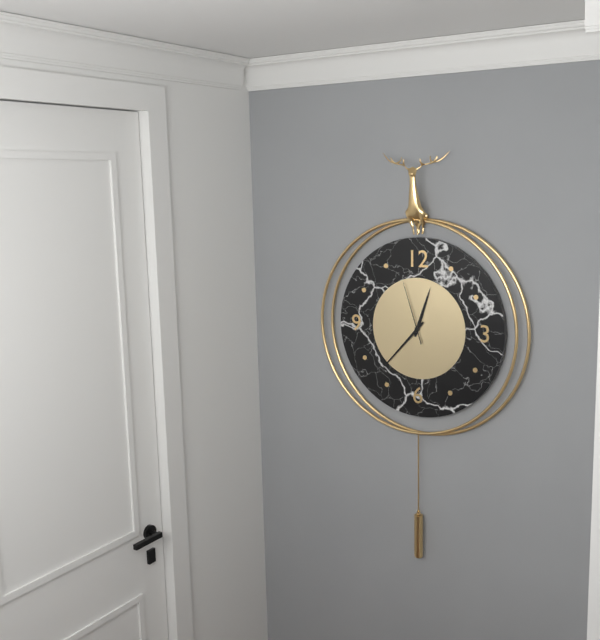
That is 12:37:57
